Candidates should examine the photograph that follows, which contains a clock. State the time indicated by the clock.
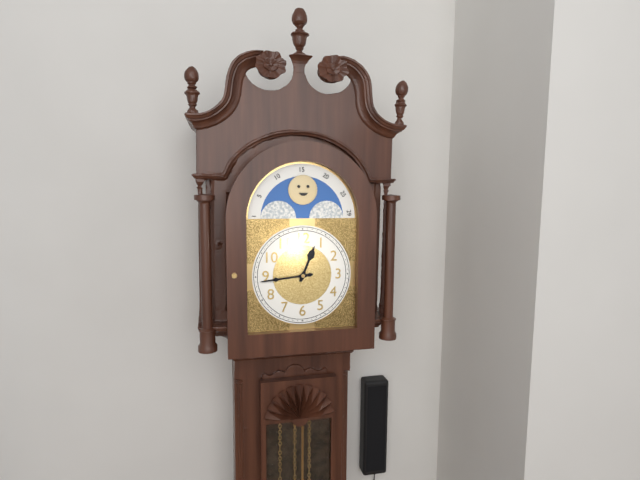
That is 12:44
